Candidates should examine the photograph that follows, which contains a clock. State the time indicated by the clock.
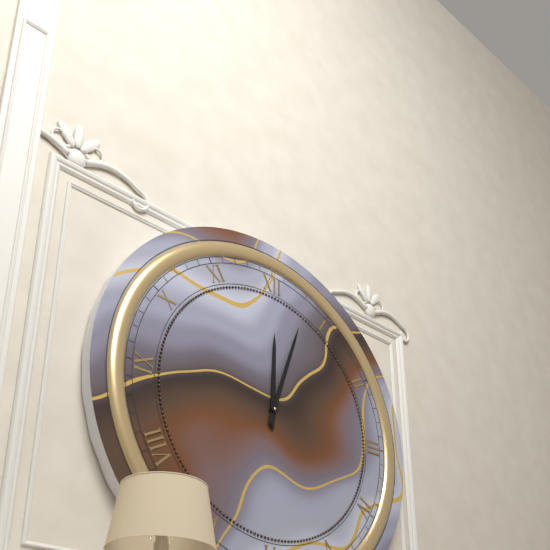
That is 12:03
